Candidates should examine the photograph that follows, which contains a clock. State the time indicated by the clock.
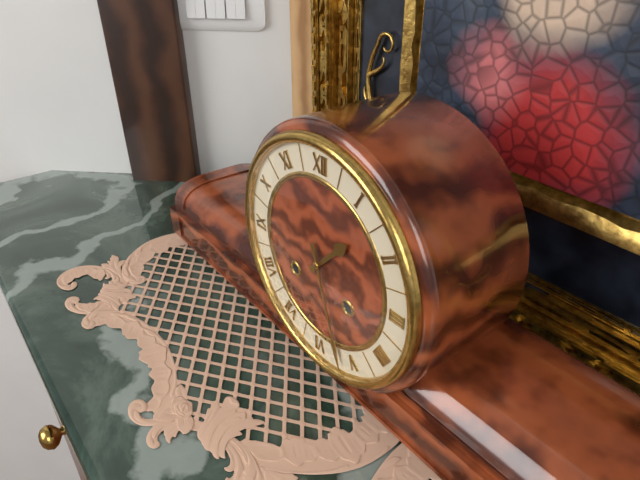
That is 1:27
